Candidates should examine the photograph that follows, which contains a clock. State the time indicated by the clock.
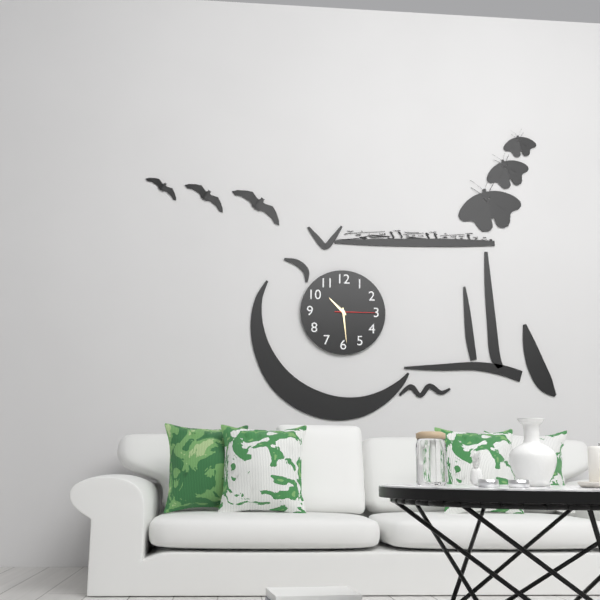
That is 10:29
